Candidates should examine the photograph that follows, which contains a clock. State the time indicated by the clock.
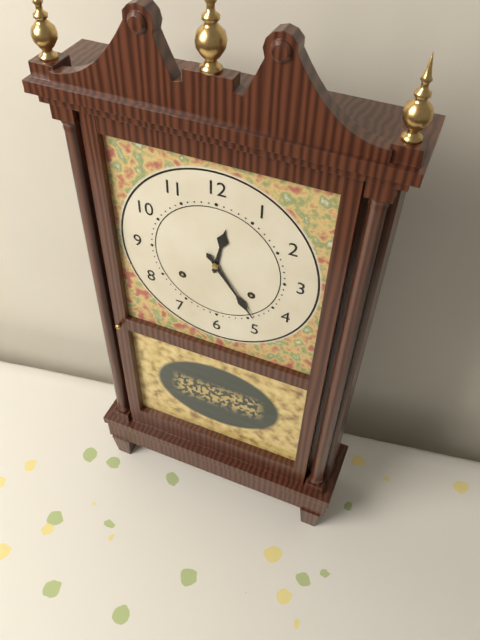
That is 12:24
